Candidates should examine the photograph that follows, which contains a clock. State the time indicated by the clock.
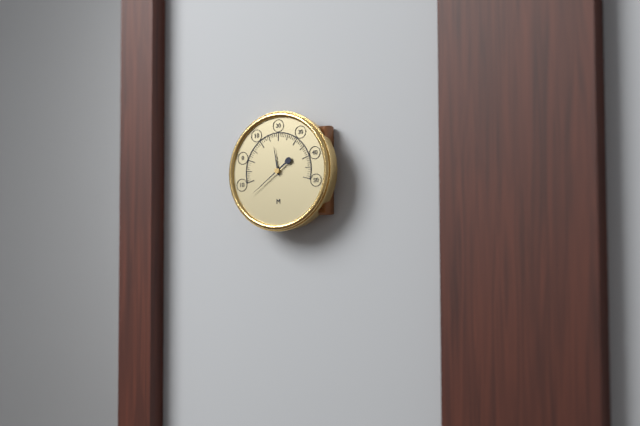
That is 11:39
